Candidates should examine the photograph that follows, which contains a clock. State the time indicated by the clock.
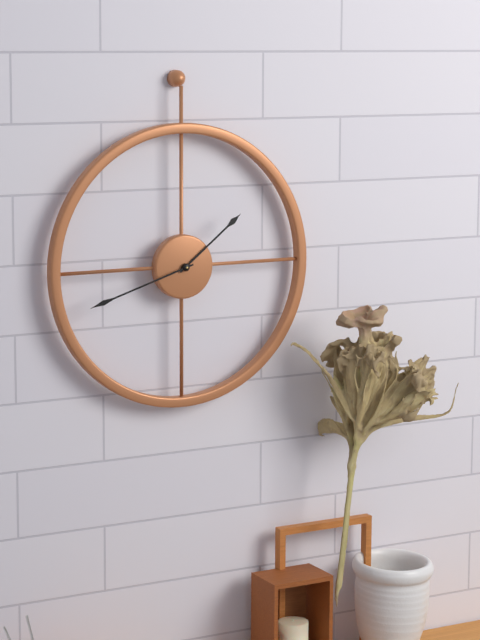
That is 1:42
